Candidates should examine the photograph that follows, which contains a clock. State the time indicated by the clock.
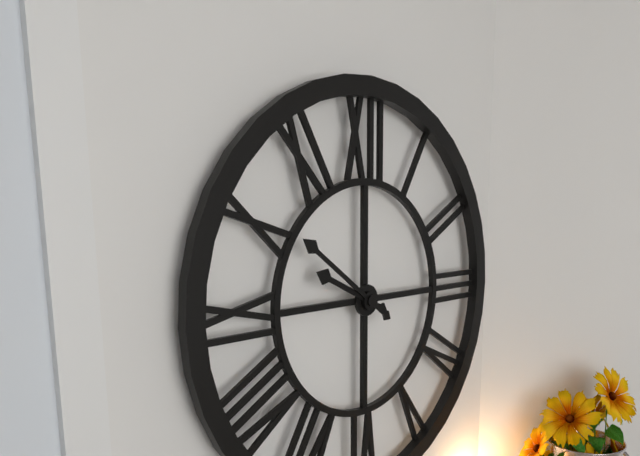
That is 9:51
